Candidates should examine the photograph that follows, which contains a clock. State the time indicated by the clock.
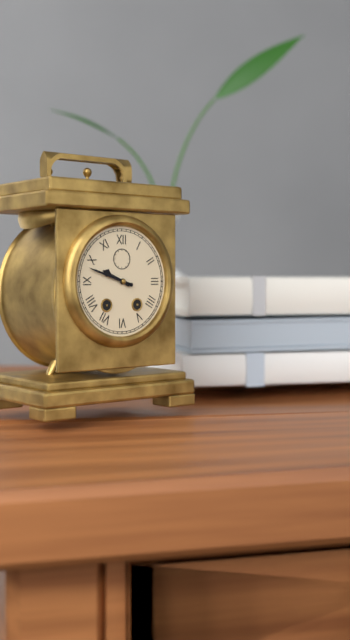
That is 9:48
